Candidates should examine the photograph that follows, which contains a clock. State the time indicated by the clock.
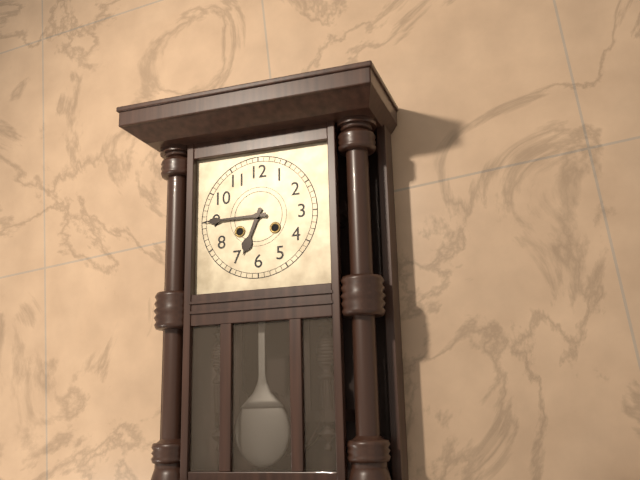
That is 6:45
